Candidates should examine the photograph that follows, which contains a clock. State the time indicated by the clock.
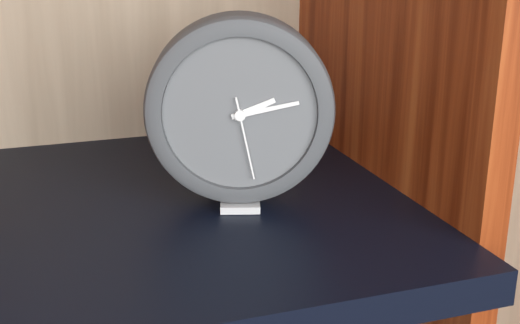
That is 2:13:28
